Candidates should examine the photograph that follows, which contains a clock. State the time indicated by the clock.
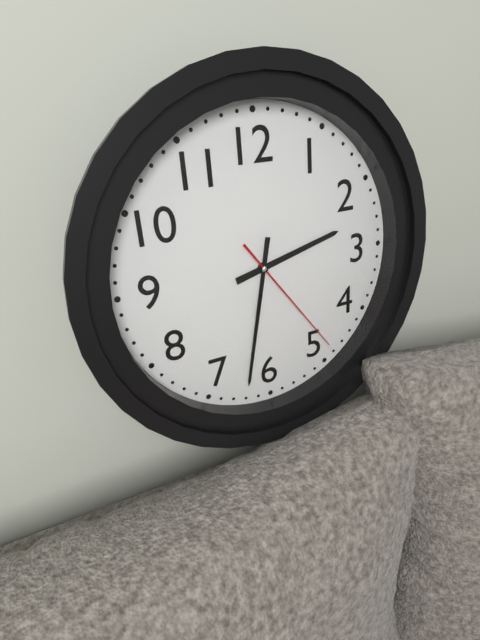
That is 2:32:24
